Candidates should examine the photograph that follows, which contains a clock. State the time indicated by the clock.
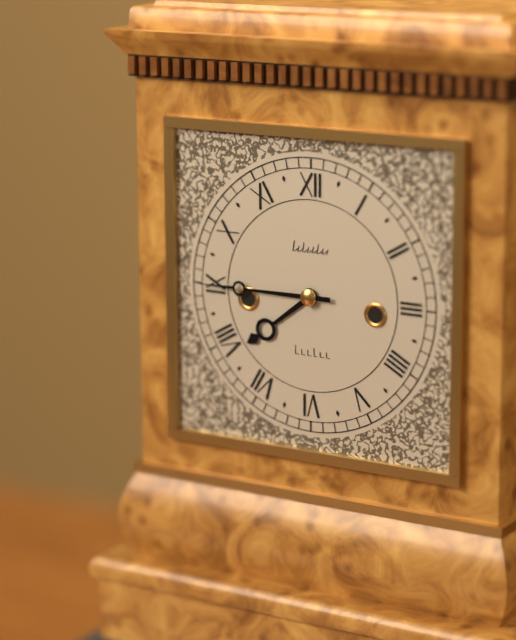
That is 7:45
